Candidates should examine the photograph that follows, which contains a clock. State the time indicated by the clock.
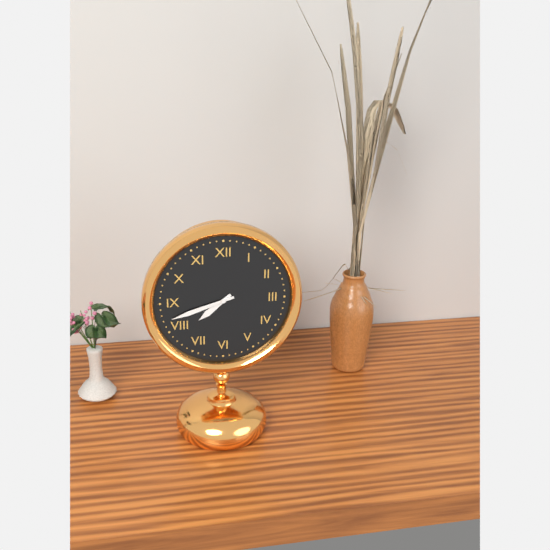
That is 7:42
